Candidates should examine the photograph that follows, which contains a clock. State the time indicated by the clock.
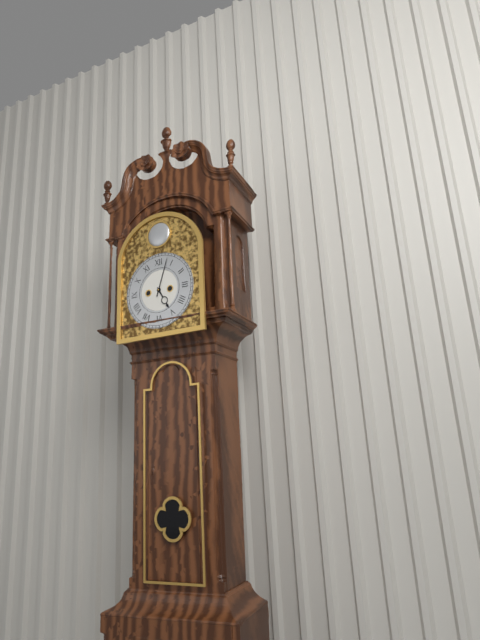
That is 5:03
